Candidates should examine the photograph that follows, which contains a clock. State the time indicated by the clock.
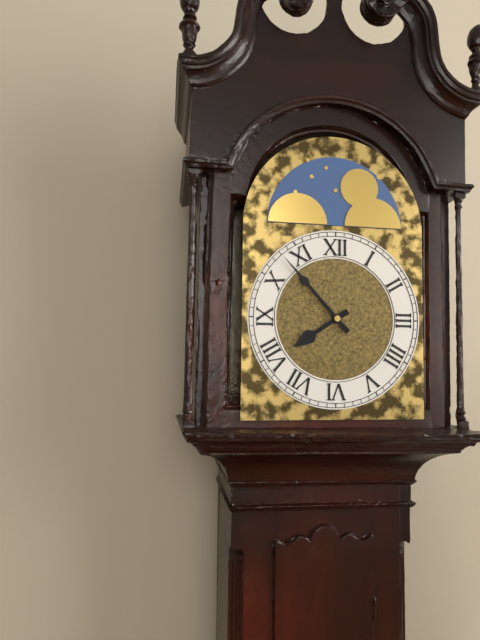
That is 7:53
